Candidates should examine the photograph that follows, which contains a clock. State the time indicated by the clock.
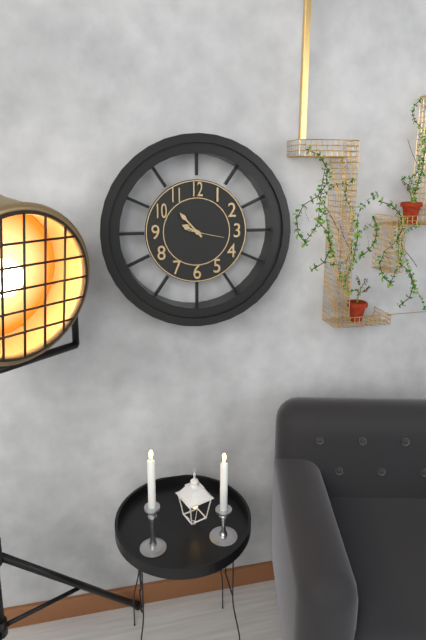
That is 9:53
